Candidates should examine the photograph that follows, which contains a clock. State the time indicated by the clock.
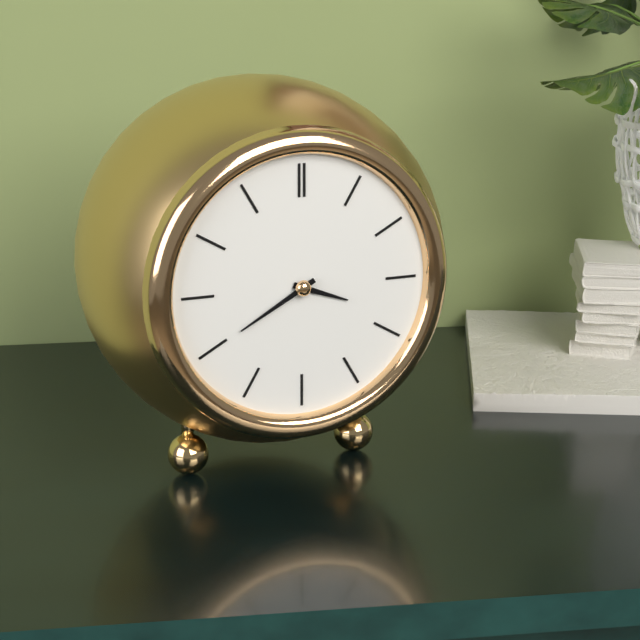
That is 3:40
